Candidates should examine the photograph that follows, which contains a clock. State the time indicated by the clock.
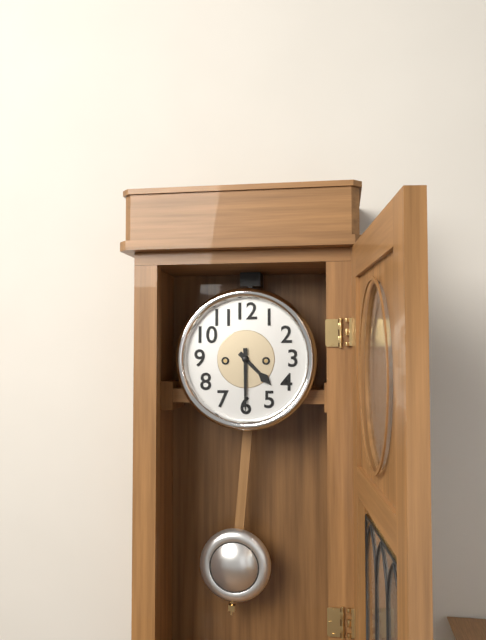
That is 4:30
